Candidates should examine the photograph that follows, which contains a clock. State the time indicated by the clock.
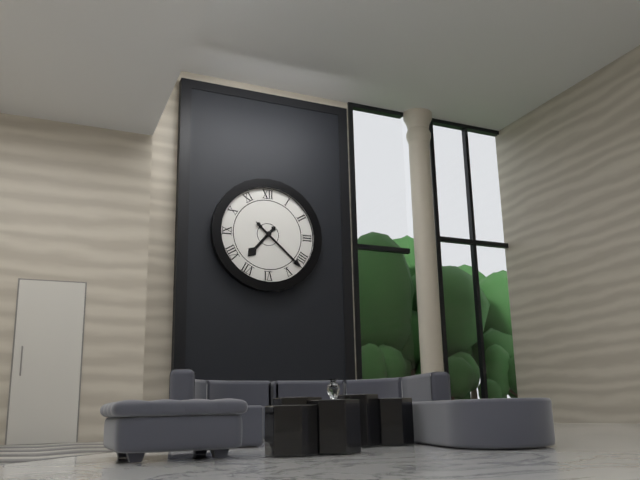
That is 7:22:22
